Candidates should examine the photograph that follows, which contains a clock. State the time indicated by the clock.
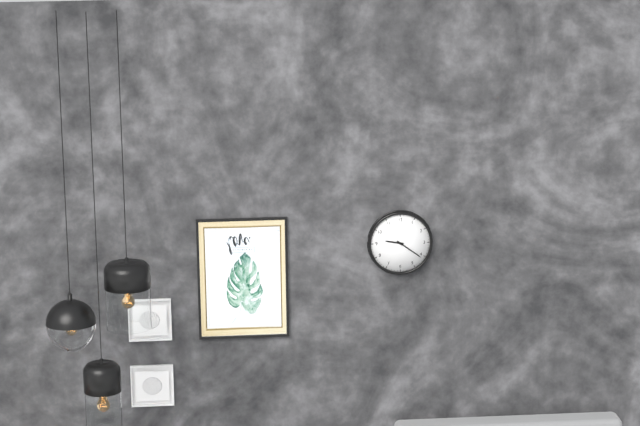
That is 9:21
